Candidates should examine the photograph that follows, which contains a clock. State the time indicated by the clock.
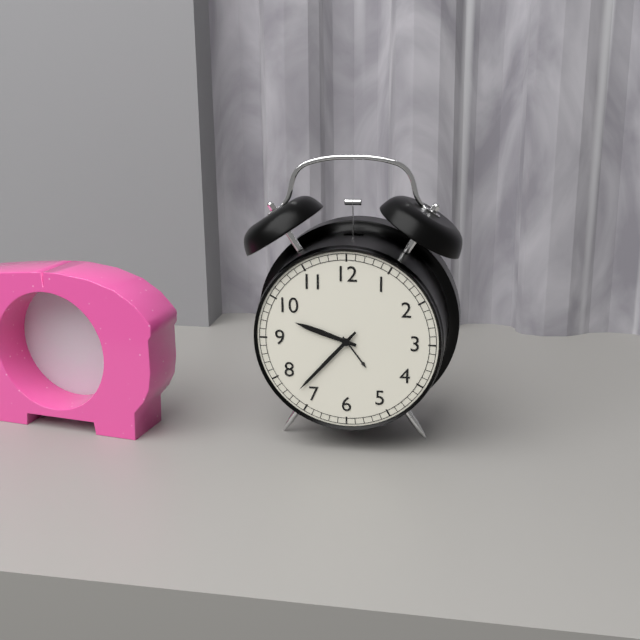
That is 9:37
